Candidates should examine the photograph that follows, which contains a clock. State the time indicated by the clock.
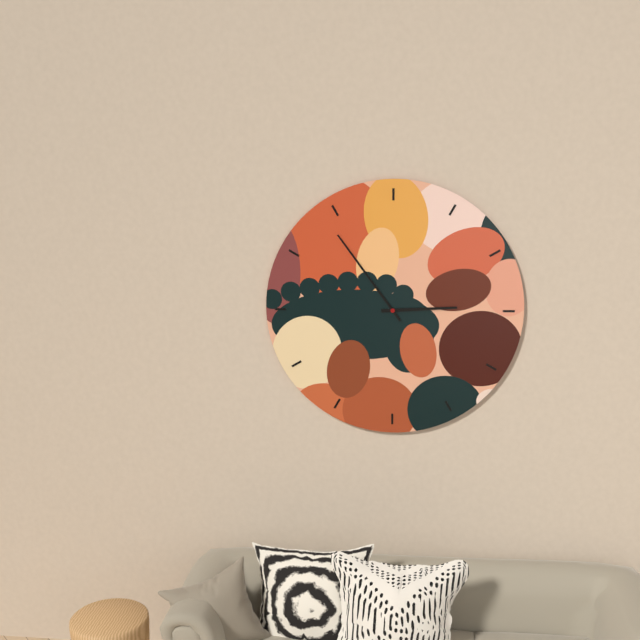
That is 2:54
